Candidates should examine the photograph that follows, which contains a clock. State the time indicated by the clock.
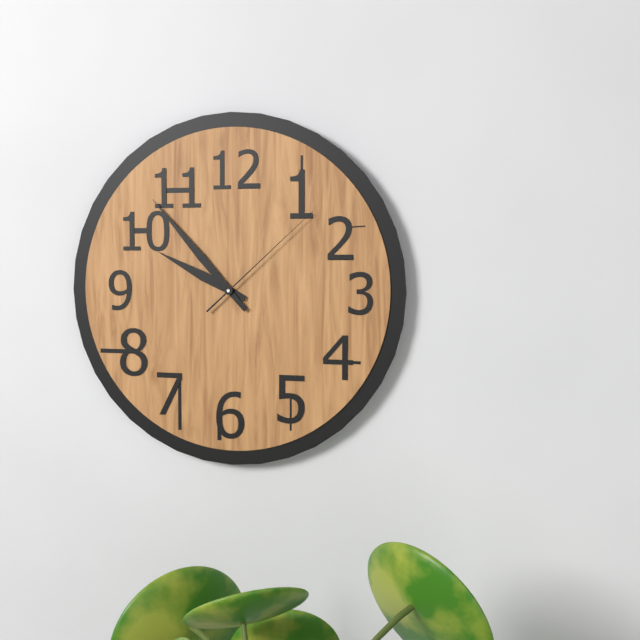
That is 9:53:08
